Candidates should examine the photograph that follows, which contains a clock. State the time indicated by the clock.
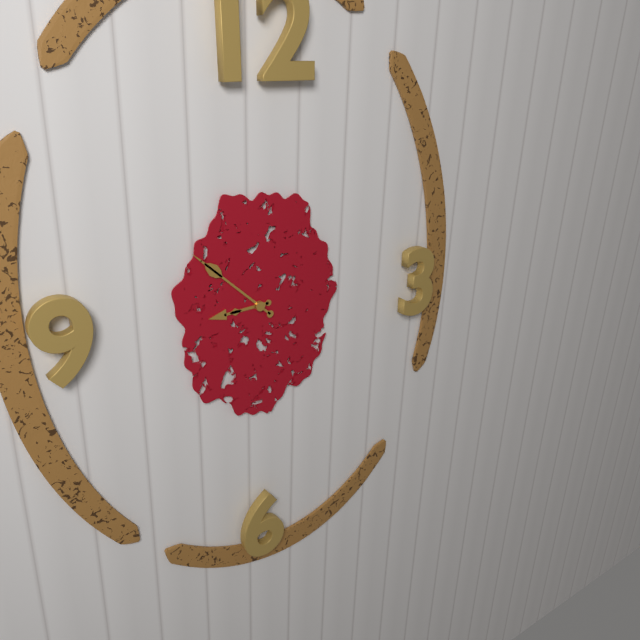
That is 8:52
